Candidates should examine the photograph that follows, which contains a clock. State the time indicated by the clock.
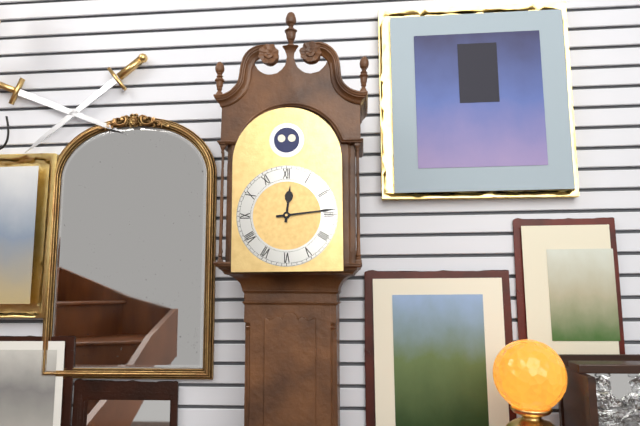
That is 12:14
